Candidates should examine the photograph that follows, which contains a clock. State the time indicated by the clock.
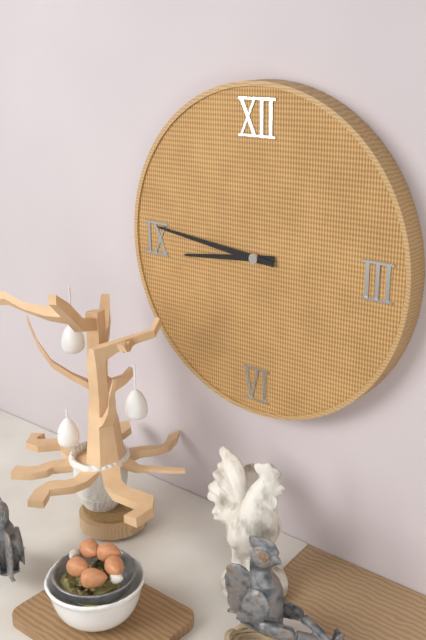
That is 8:46
